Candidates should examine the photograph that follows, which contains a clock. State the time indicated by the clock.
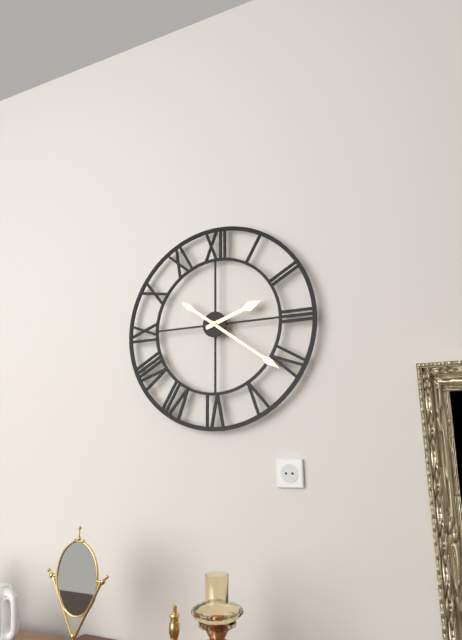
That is 2:21
